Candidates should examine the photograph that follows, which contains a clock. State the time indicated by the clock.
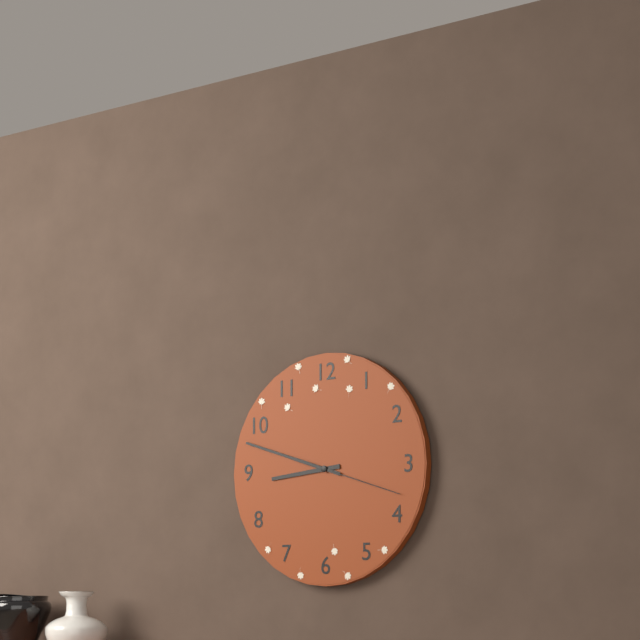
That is 8:48:18
